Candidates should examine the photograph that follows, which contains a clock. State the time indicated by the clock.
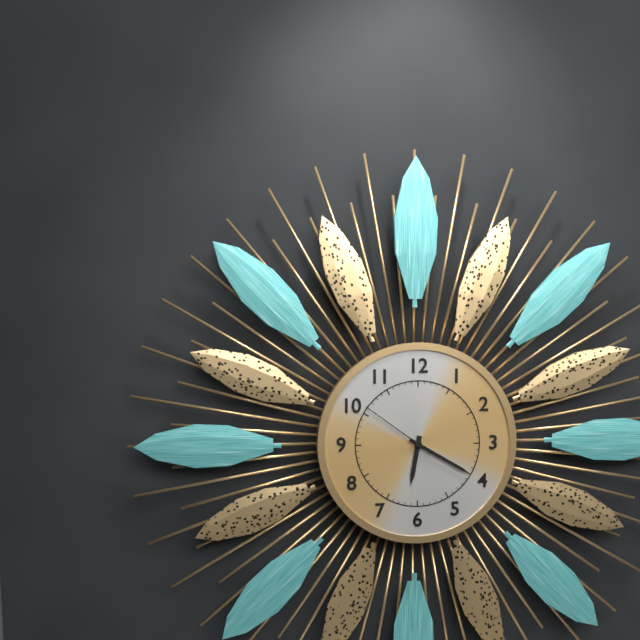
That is 6:20:51
